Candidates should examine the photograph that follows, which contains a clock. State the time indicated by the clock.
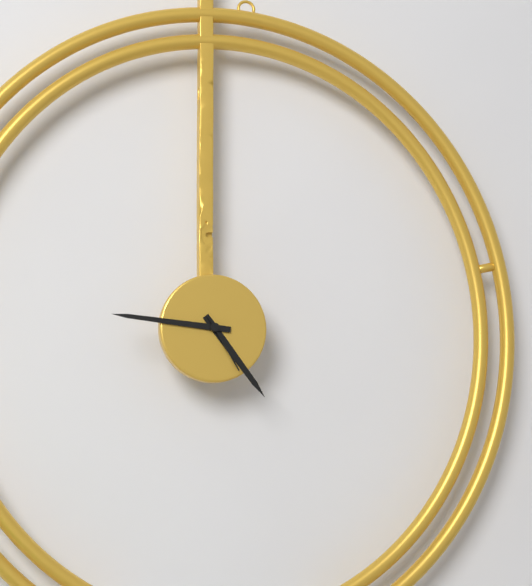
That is 4:46:25
